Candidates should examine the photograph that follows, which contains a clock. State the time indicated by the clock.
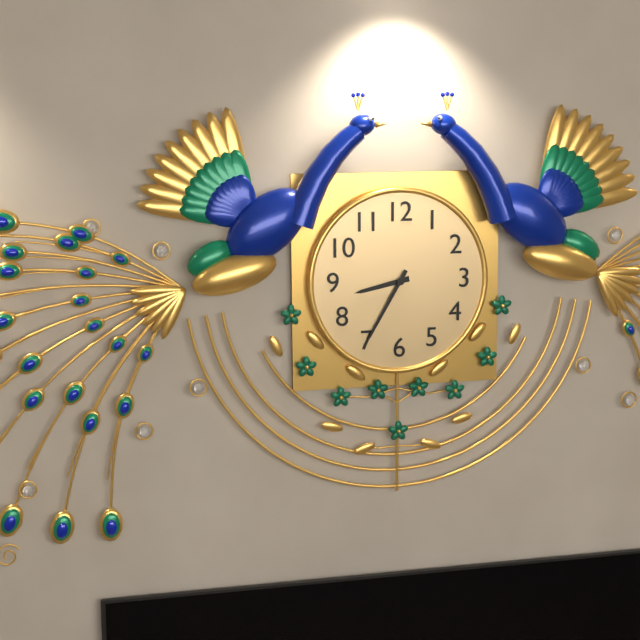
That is 8:35
